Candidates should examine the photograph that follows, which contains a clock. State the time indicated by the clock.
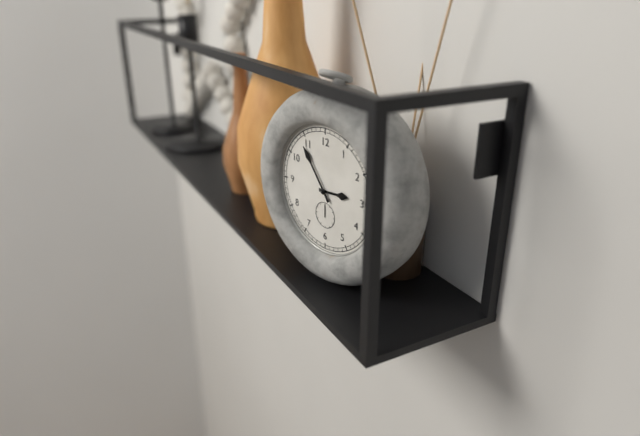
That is 2:54
